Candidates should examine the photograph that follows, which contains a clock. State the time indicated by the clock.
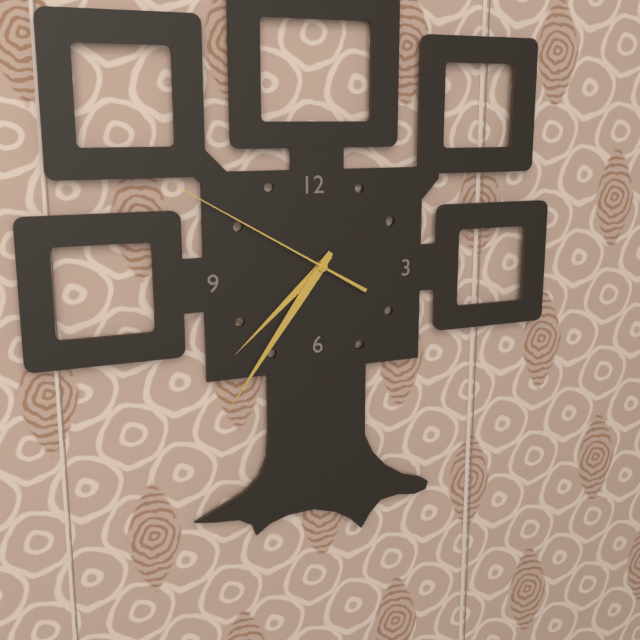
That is 7:36:50
